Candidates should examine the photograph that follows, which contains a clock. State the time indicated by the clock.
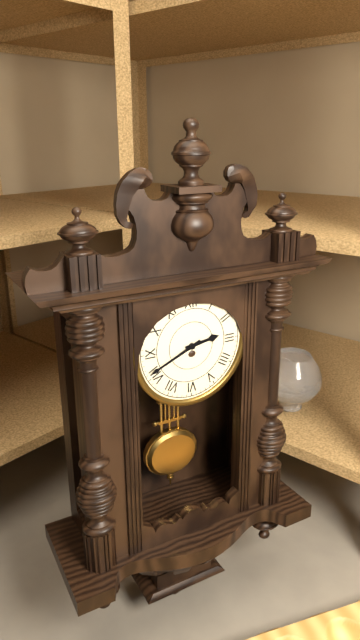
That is 2:41
